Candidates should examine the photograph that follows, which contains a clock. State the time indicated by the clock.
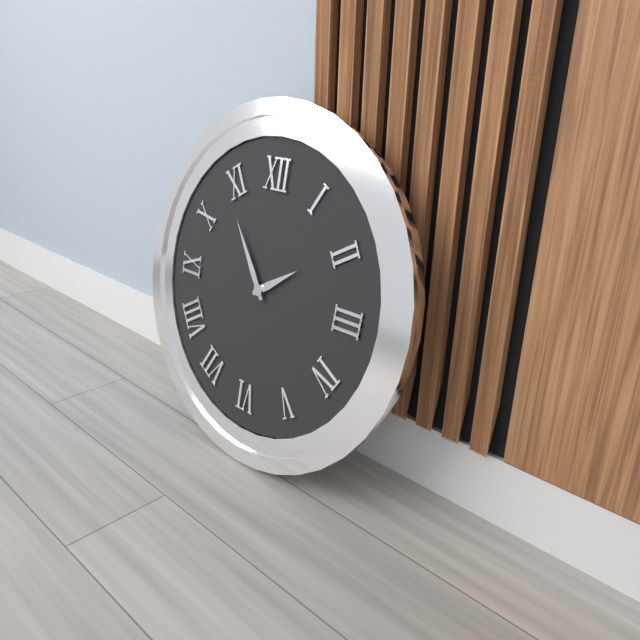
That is 1:54
